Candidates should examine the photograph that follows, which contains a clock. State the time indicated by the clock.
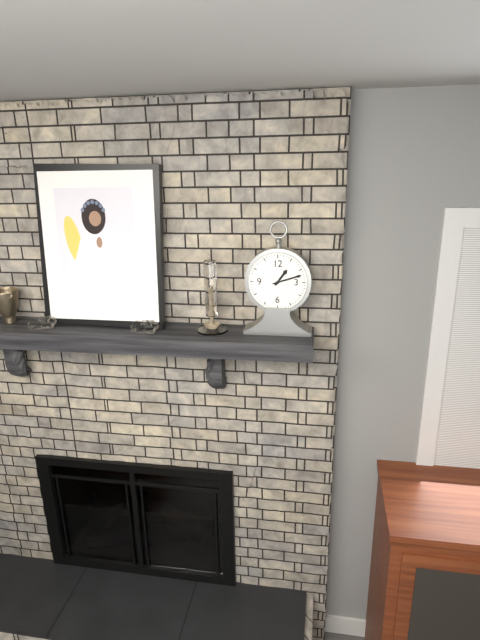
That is 1:12
